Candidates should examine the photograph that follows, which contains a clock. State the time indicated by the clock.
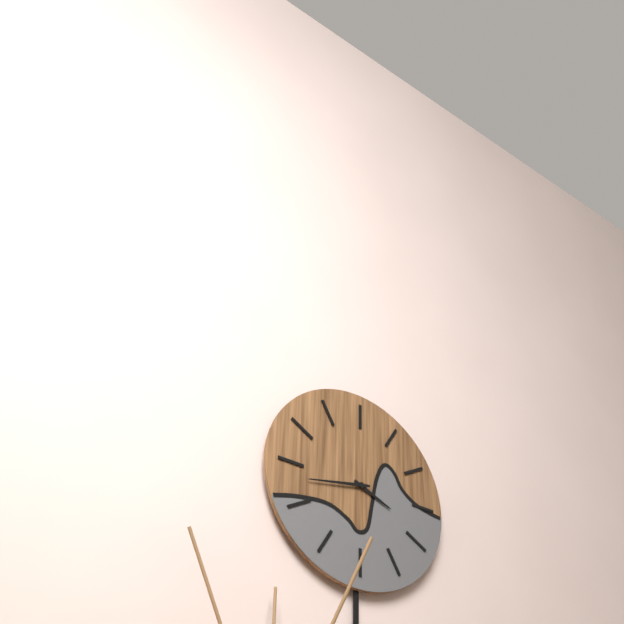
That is 3:43
